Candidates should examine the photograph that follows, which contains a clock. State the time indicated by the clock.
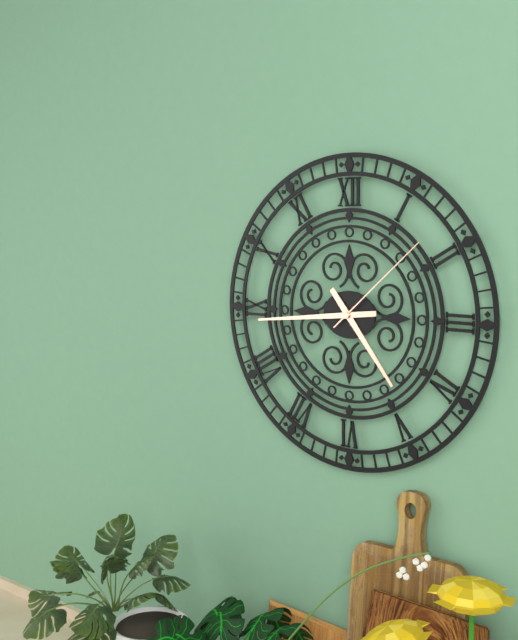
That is 4:44:08
